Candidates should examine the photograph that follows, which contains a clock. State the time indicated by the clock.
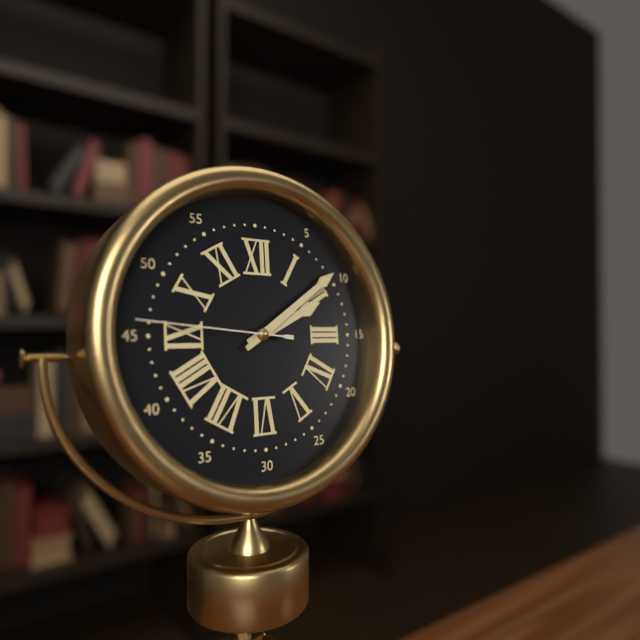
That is 2:09:46
